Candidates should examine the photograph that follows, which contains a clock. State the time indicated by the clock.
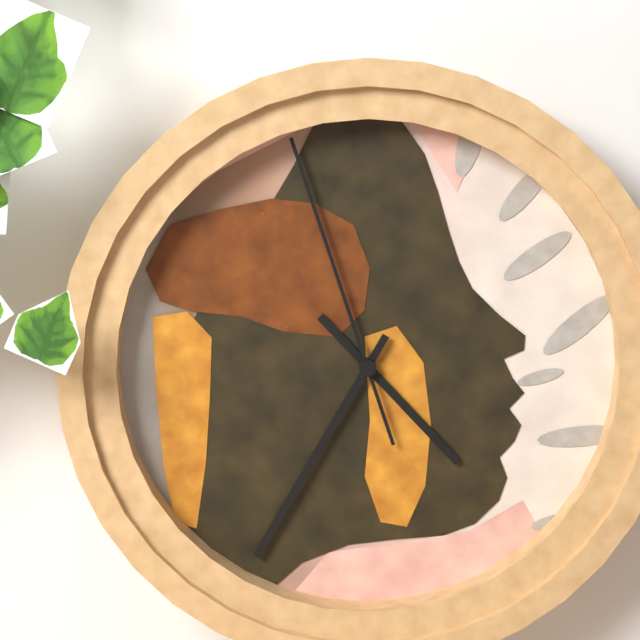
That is 4:35:57
